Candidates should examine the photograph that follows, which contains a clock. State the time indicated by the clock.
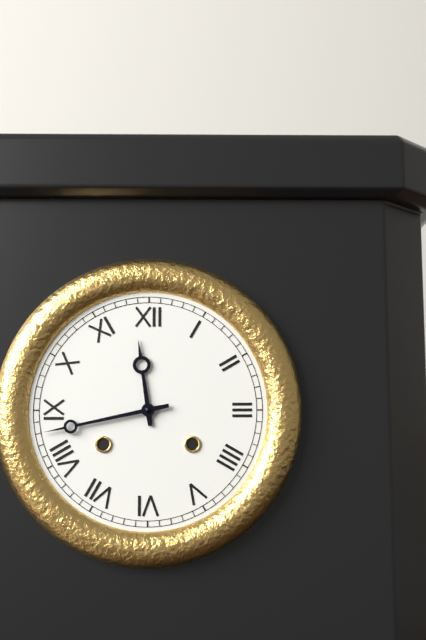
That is 11:43
